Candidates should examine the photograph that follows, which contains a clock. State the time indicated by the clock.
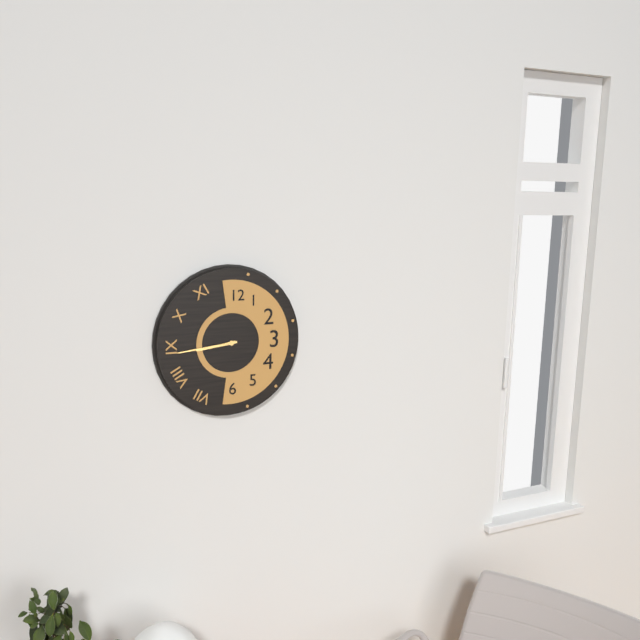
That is 8:44
